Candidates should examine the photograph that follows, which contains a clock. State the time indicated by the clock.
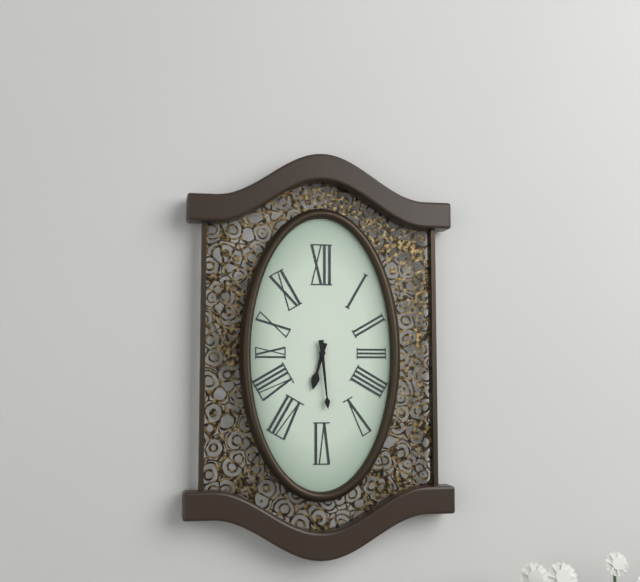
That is 6:29
